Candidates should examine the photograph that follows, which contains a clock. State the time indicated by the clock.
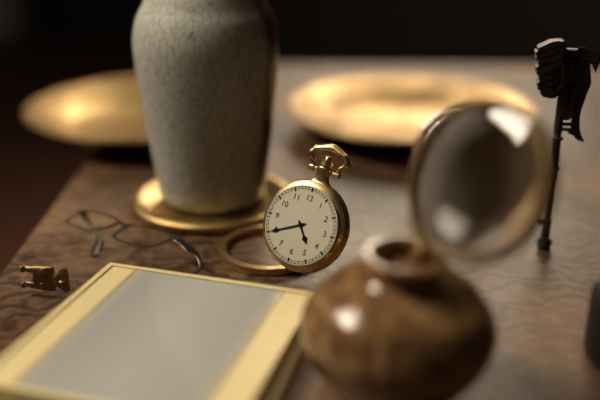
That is 4:40
